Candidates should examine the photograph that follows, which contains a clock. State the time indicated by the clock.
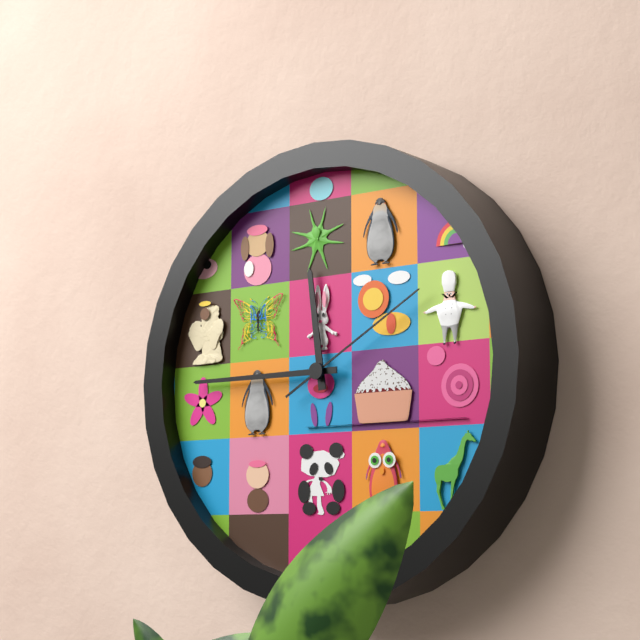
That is 11:45:10
